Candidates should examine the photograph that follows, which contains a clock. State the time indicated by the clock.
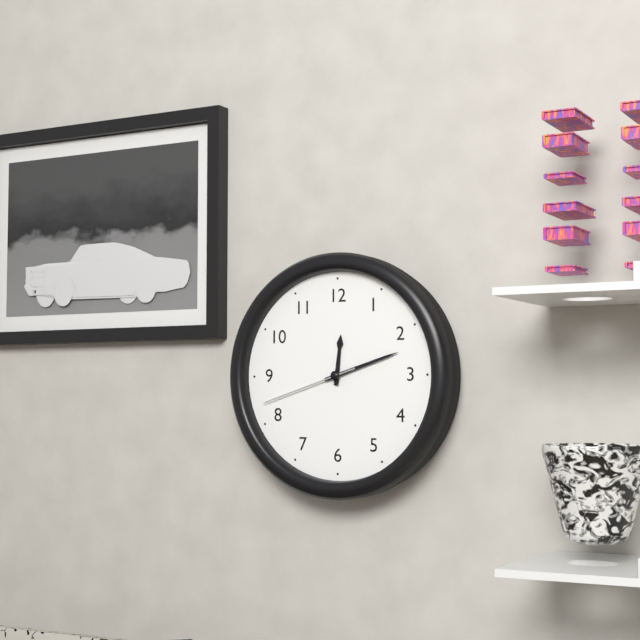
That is 12:12:42
